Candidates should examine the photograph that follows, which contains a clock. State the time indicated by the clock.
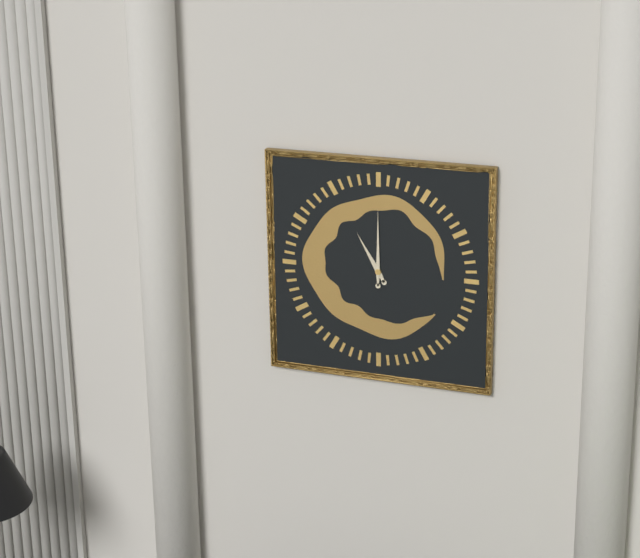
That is 11:00
